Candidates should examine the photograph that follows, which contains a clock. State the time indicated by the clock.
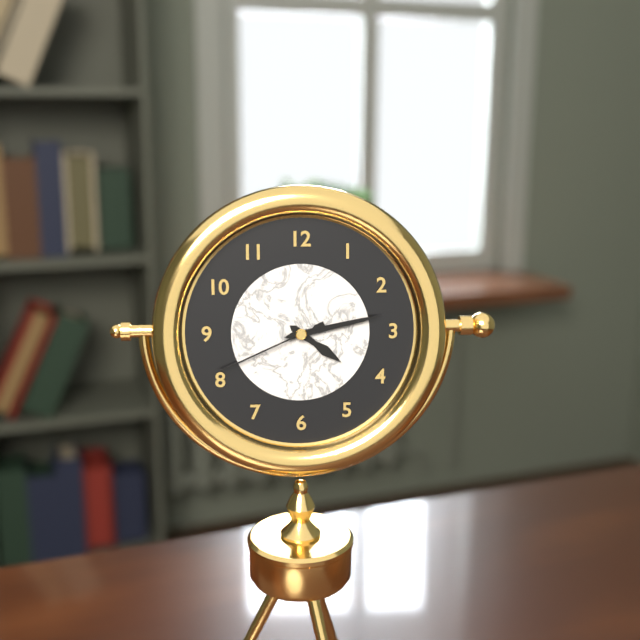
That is 4:13:41
